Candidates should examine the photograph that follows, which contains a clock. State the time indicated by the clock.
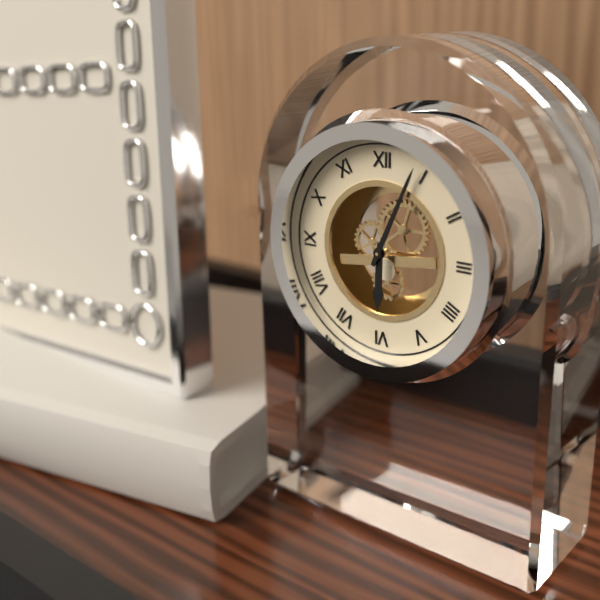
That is 6:04
